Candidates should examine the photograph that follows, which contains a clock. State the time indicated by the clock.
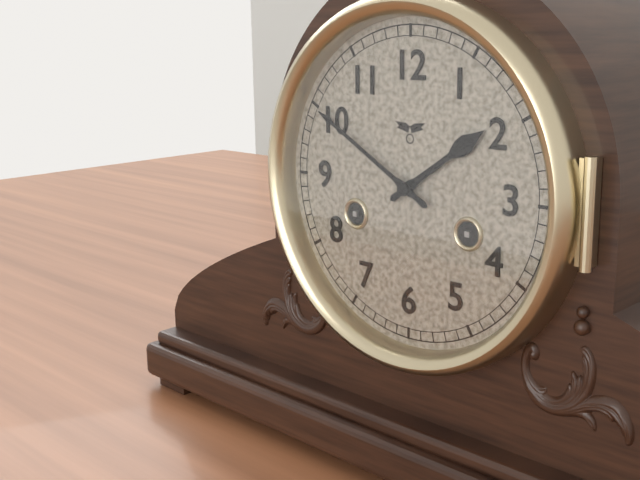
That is 1:50
